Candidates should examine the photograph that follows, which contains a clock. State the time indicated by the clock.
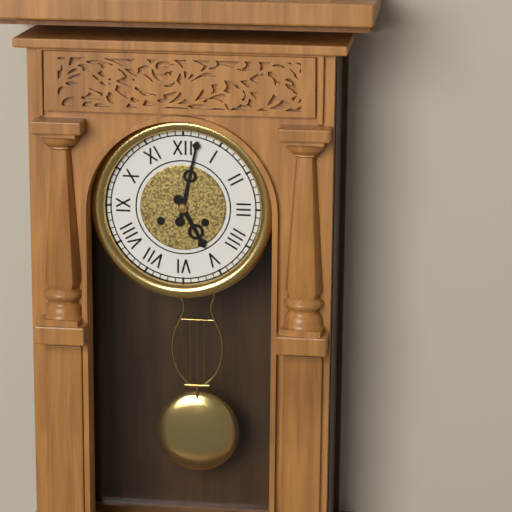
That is 5:02
